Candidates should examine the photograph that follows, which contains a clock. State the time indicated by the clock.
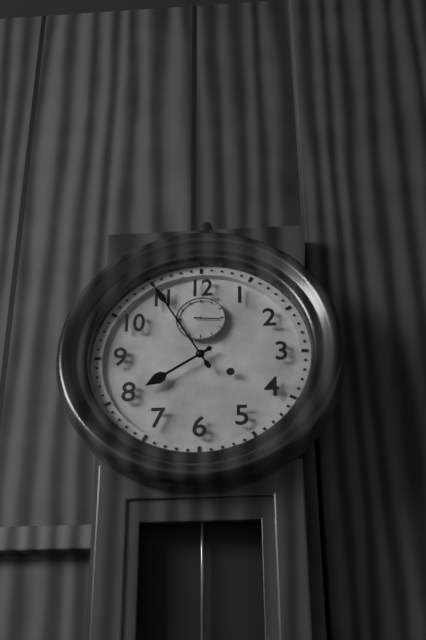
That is 7:55
